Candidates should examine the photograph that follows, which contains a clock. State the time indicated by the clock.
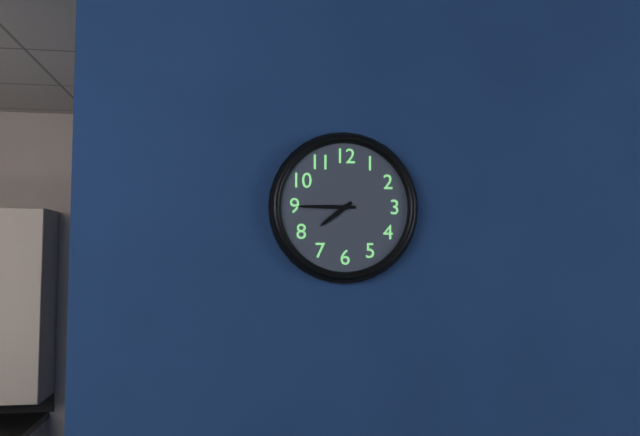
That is 7:45
